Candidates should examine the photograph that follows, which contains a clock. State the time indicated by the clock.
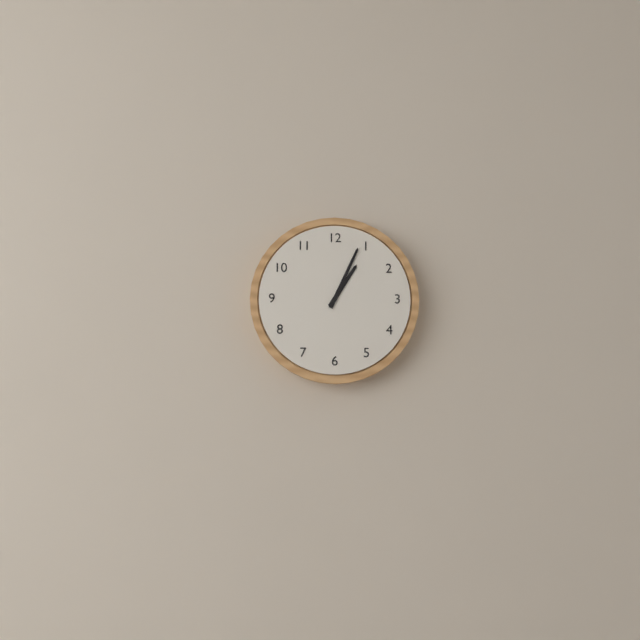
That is 1:04
